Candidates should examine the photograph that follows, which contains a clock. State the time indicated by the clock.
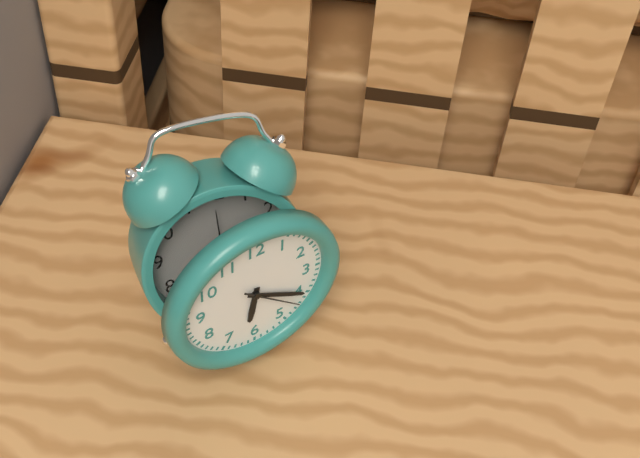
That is 6:20:22
